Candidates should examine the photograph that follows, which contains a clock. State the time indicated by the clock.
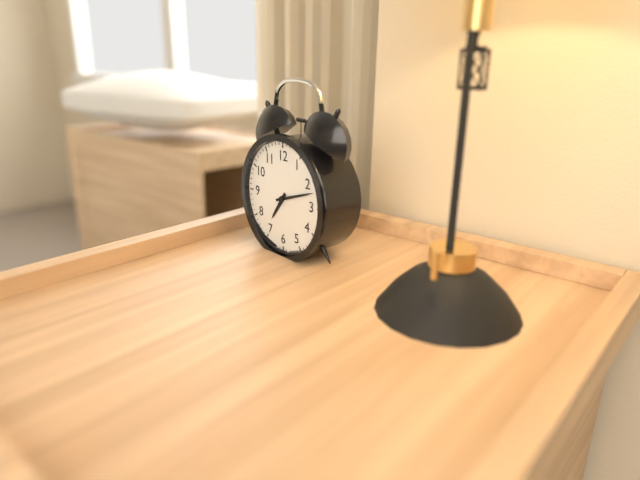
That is 7:12
